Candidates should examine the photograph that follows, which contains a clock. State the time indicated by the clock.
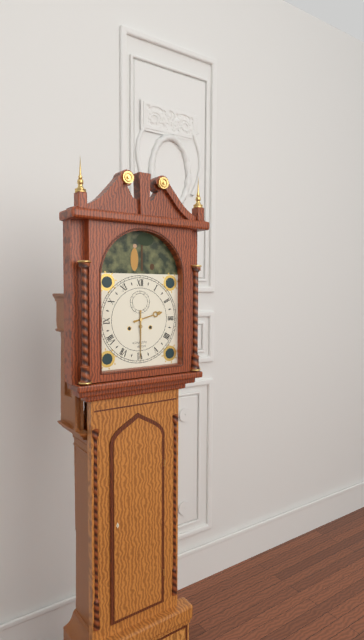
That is 2:30
